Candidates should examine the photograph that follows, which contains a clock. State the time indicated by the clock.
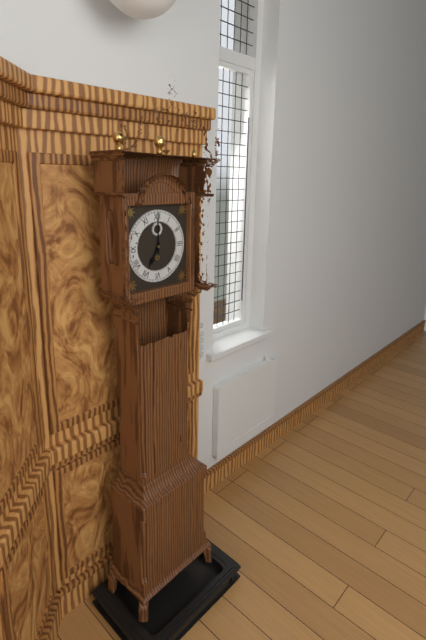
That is 7:00
